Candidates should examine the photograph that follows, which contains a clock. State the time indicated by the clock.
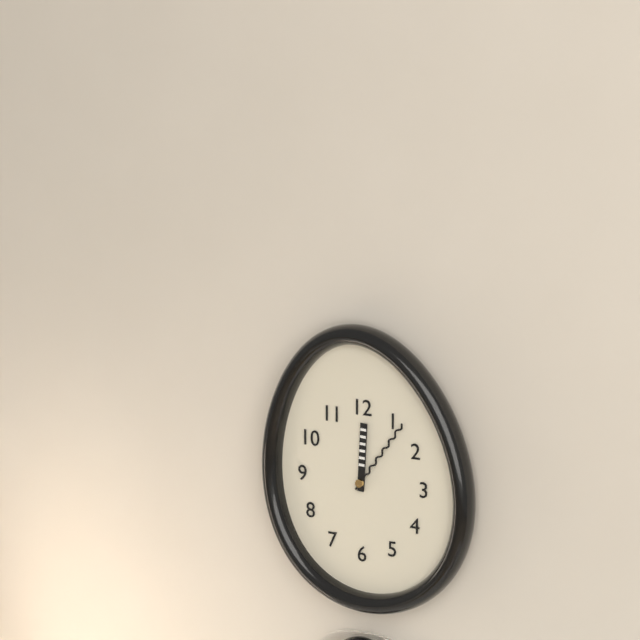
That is 12:06
